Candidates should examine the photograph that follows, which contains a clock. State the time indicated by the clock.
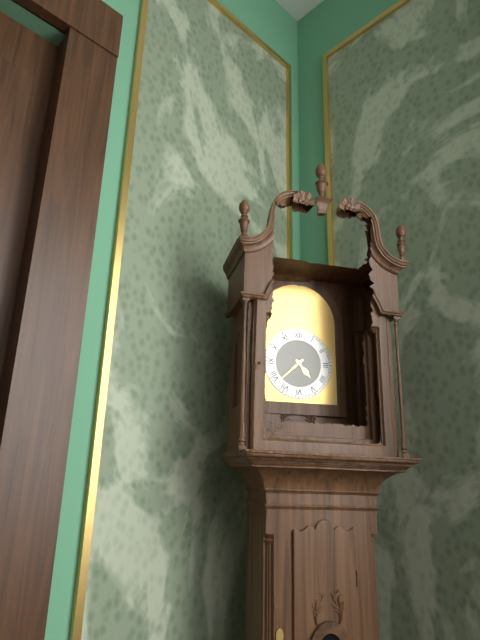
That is 4:38
